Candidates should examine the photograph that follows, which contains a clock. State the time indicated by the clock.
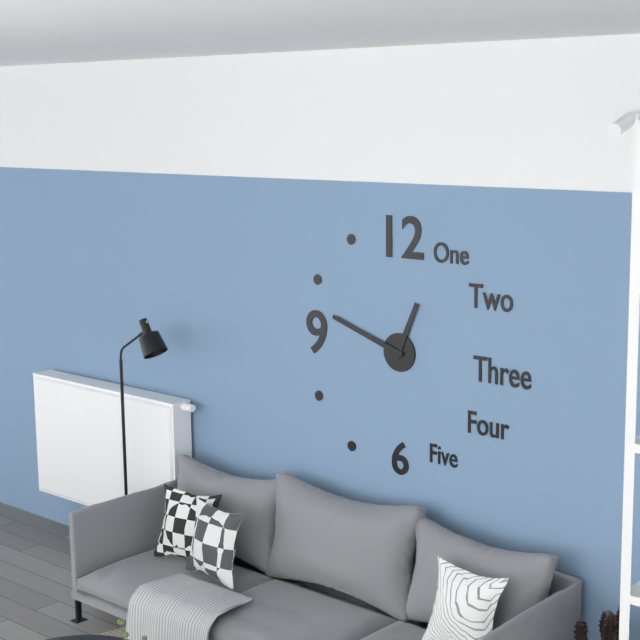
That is 12:48
